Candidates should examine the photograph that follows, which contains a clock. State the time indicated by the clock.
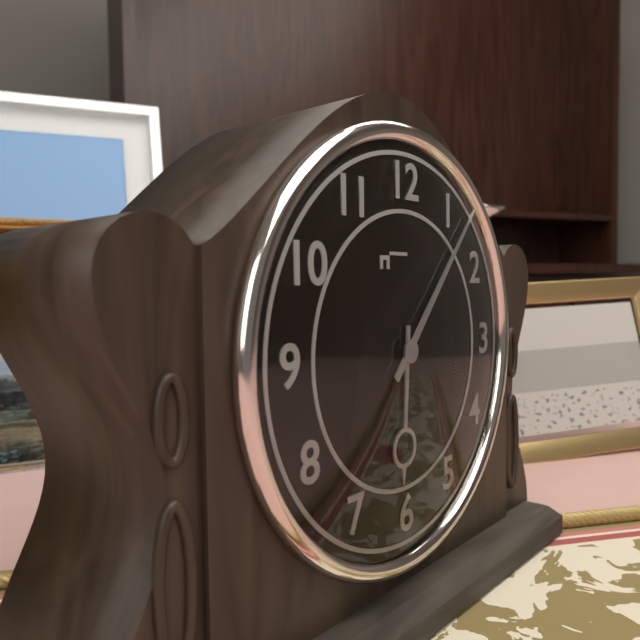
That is 6:07
